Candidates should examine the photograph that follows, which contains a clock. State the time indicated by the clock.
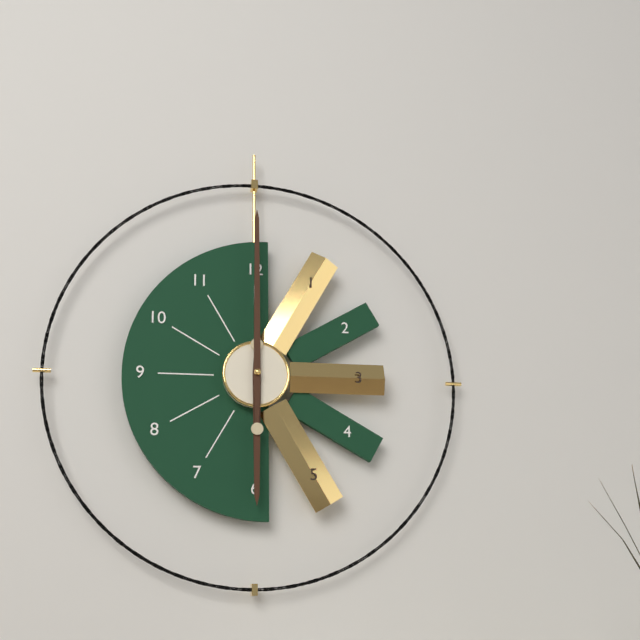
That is 6:00
